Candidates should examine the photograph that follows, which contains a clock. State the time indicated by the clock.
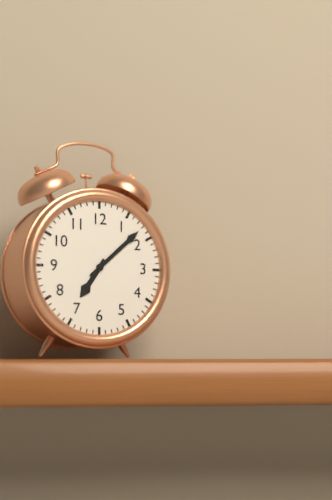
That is 7:08
